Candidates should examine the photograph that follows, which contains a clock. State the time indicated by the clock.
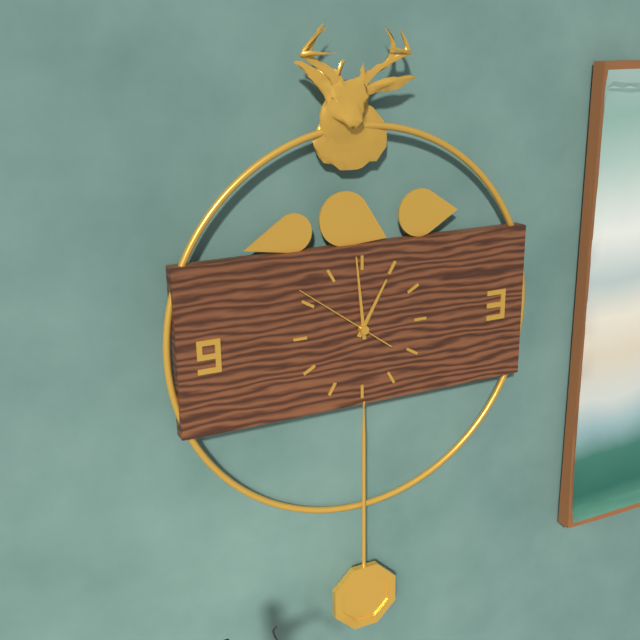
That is 12:59:51
